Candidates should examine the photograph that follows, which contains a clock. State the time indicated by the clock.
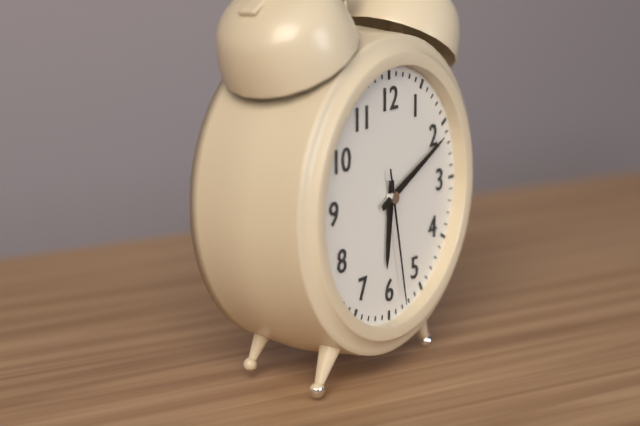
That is 6:11:28
